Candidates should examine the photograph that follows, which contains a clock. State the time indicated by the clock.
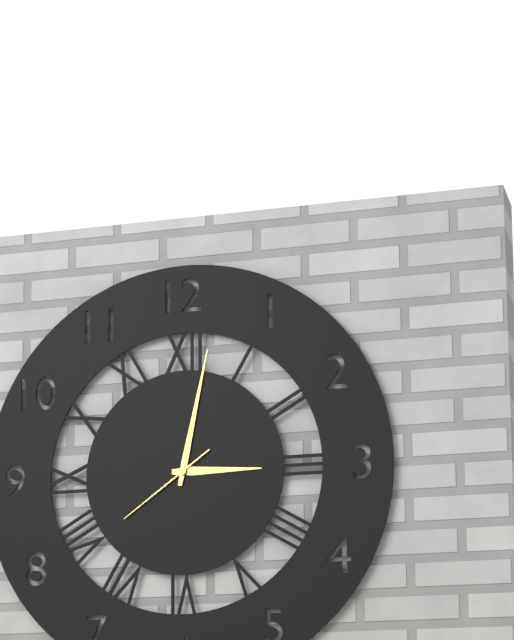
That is 3:02:39
